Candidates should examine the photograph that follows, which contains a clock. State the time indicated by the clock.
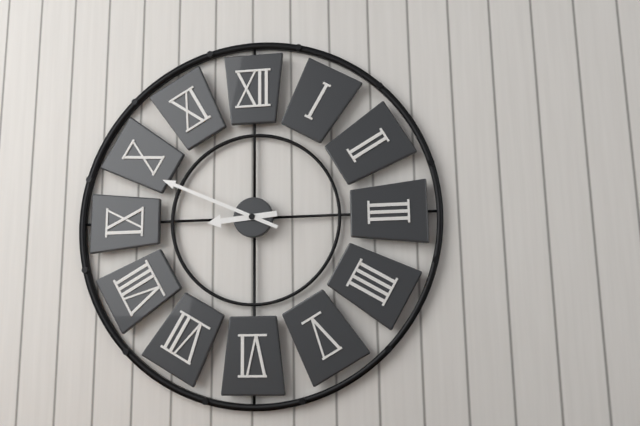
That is 8:49
